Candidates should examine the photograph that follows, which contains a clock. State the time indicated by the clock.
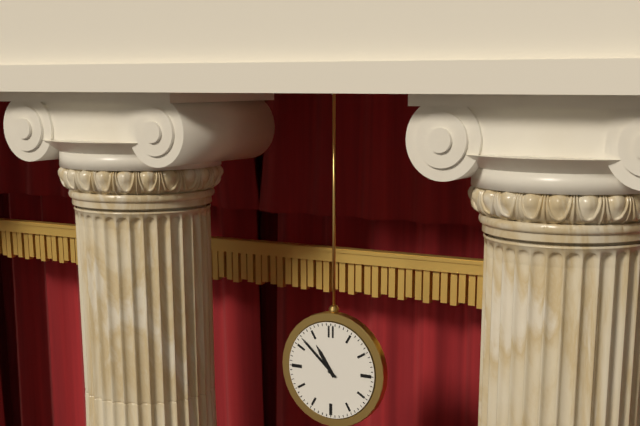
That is 10:52
